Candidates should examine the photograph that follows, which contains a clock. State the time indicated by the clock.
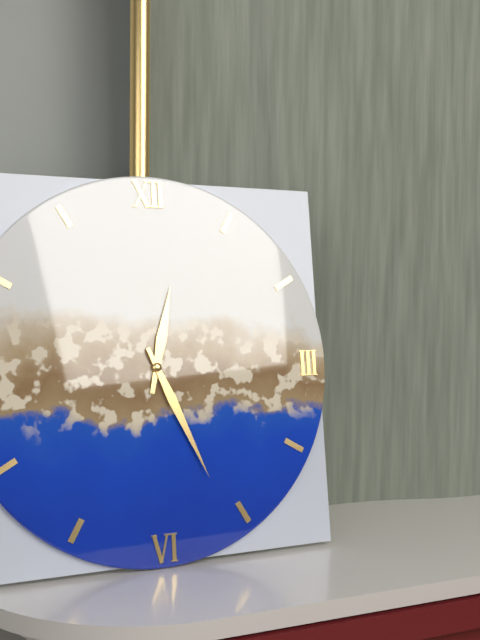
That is 12:26
